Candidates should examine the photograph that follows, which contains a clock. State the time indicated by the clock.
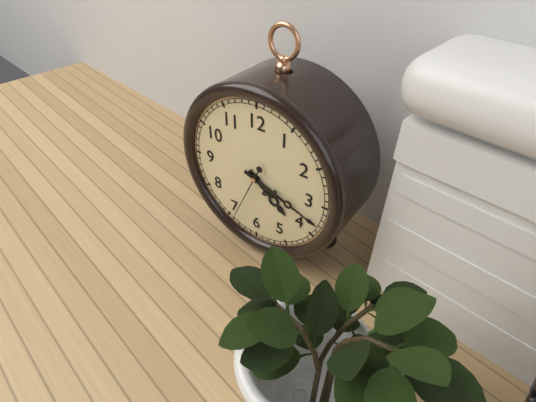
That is 4:18:34
